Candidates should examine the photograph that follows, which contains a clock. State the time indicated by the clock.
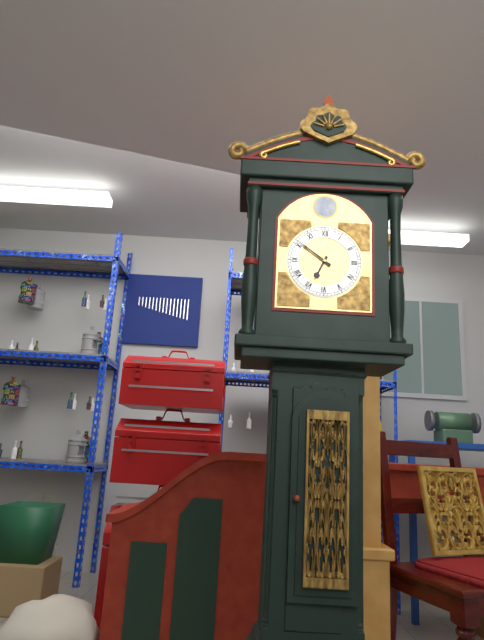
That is 6:51
